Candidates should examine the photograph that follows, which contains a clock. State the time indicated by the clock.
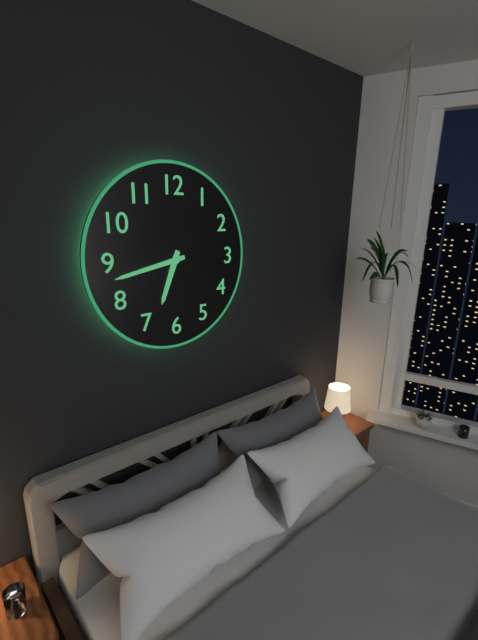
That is 6:43
